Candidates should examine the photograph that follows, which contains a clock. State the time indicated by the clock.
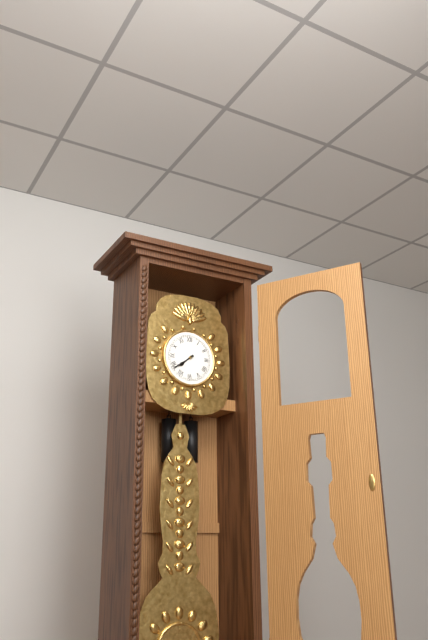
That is 7:39
